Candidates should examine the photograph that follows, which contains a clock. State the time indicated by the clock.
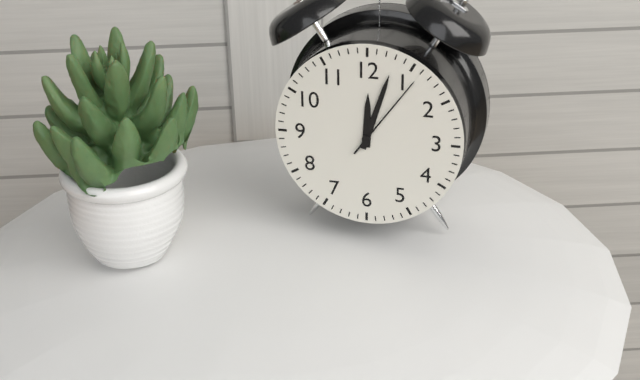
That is 12:03:06
